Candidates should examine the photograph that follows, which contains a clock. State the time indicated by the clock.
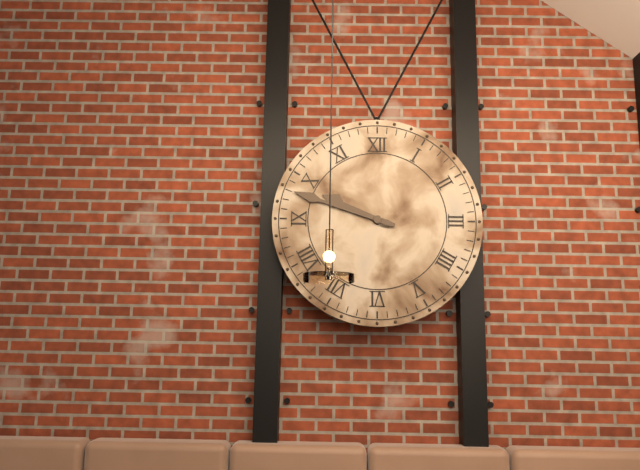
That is 9:48
